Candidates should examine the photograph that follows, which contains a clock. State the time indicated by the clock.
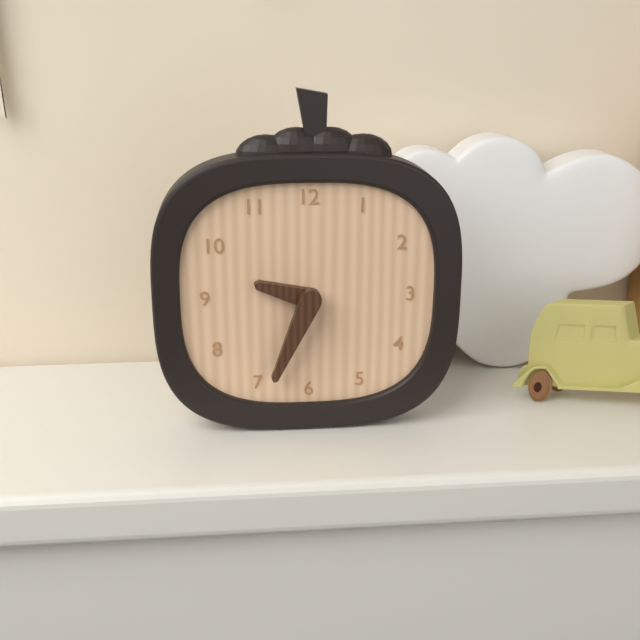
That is 9:34
